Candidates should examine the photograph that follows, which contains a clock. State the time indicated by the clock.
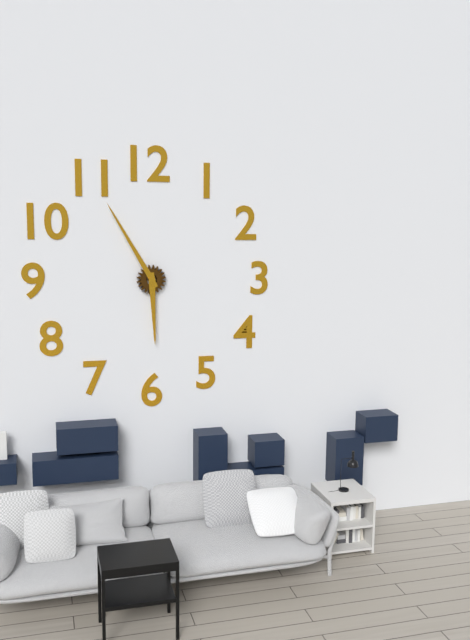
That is 5:55
